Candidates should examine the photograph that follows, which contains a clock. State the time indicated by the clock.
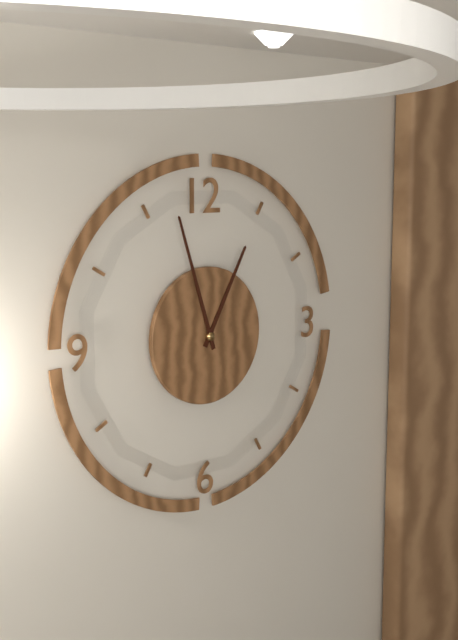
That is 12:57
